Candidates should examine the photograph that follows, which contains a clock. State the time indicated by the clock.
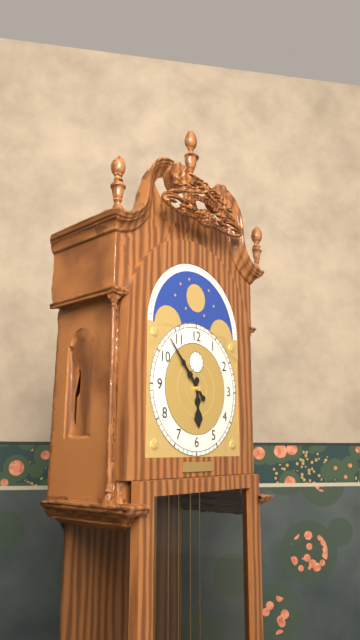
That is 5:53
